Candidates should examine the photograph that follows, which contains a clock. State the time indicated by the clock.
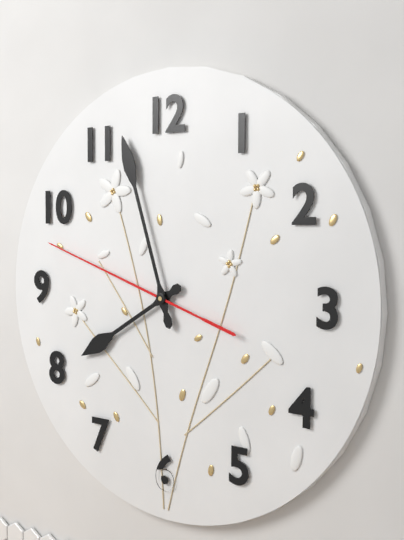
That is 7:57:48
